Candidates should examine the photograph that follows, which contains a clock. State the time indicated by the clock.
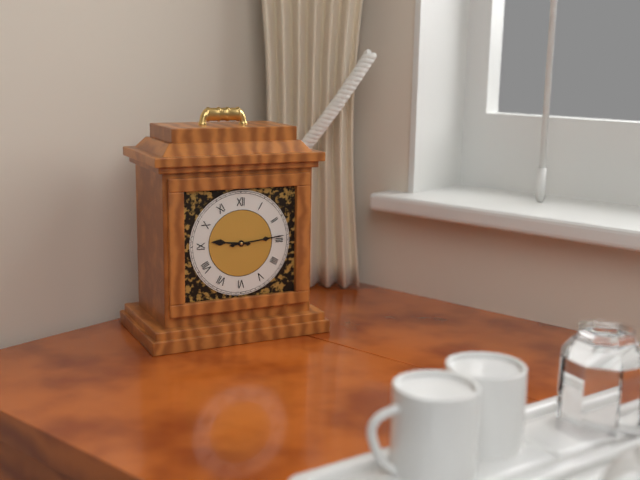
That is 9:14
